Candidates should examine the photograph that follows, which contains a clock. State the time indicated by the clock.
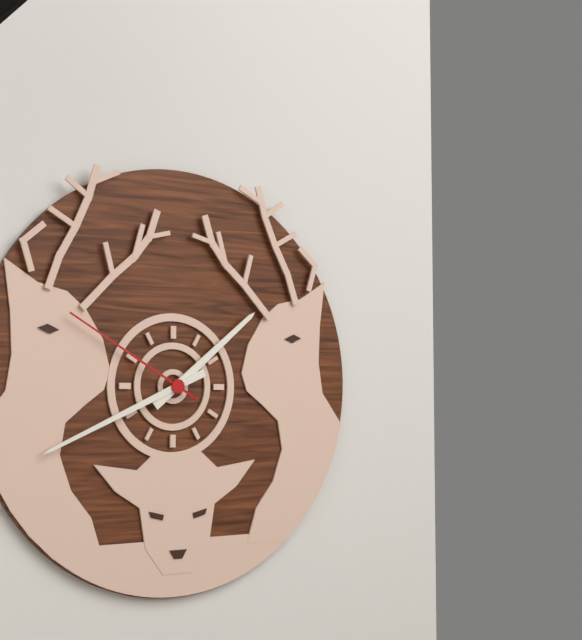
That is 1:41:50
